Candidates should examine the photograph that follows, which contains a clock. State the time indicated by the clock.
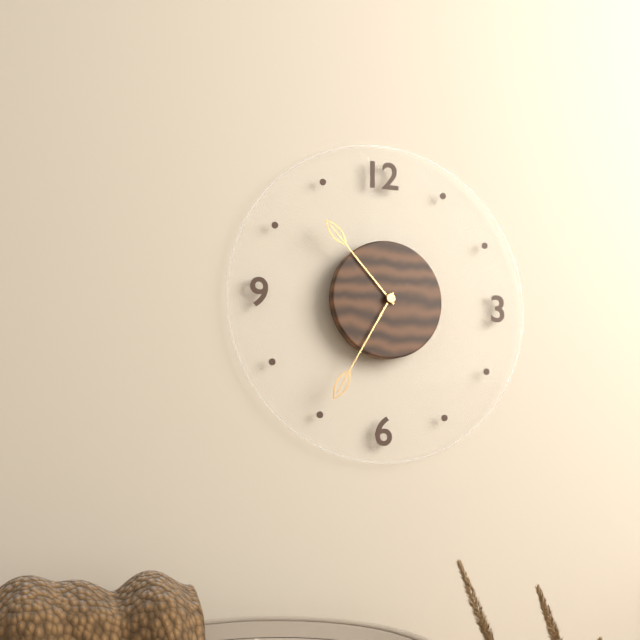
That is 10:35
